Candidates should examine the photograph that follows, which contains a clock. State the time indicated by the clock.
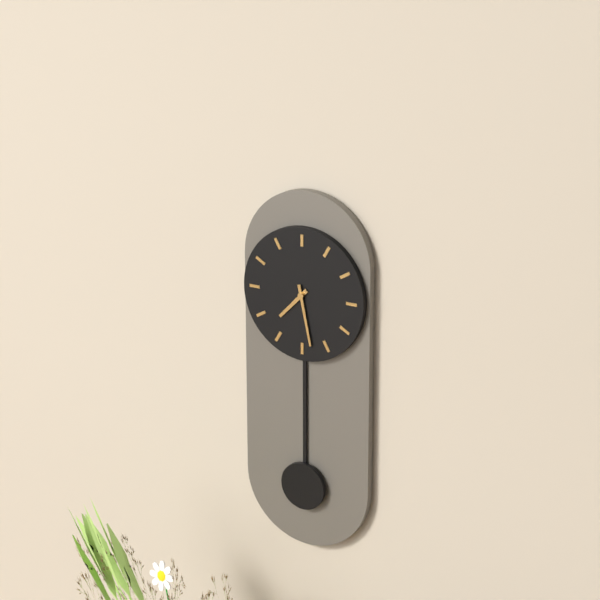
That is 7:28
